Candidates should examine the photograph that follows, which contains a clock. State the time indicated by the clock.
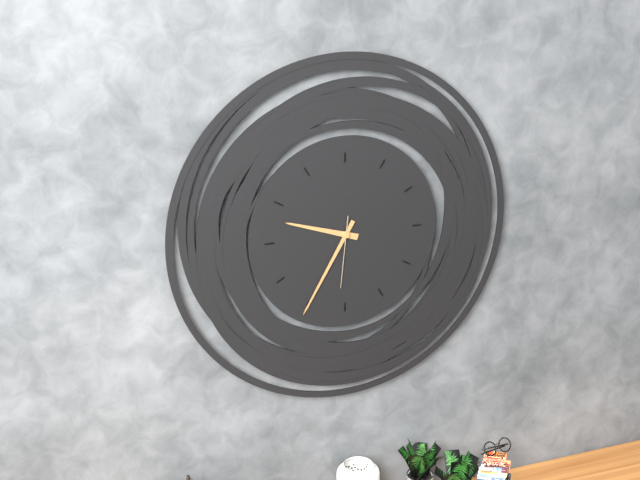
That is 9:35:31
